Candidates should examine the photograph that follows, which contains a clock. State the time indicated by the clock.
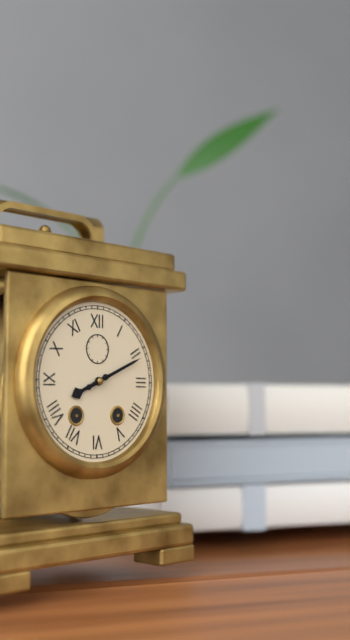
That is 8:11
